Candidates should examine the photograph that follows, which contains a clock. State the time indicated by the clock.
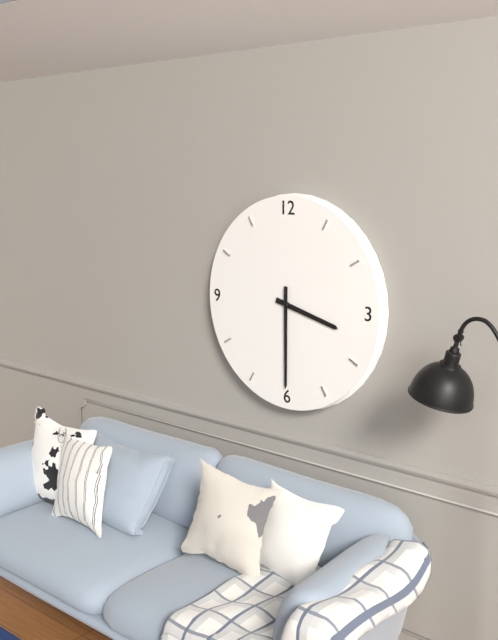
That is 3:30
